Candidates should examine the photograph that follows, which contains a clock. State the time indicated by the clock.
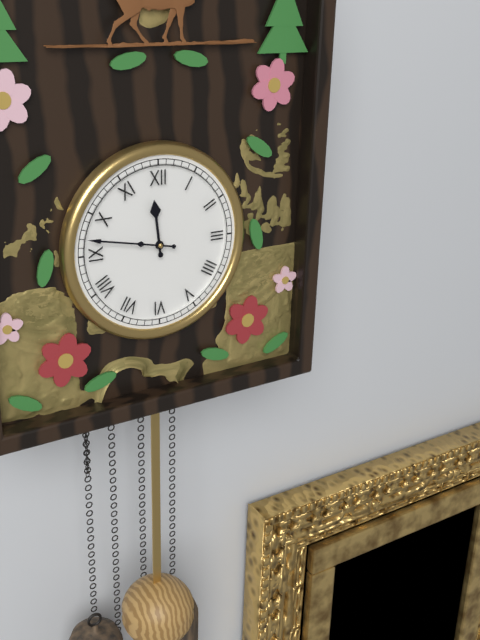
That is 11:47
